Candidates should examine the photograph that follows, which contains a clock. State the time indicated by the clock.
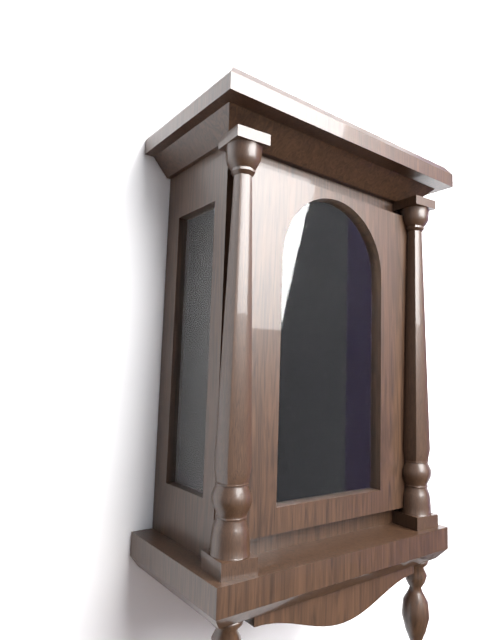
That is 1:27
